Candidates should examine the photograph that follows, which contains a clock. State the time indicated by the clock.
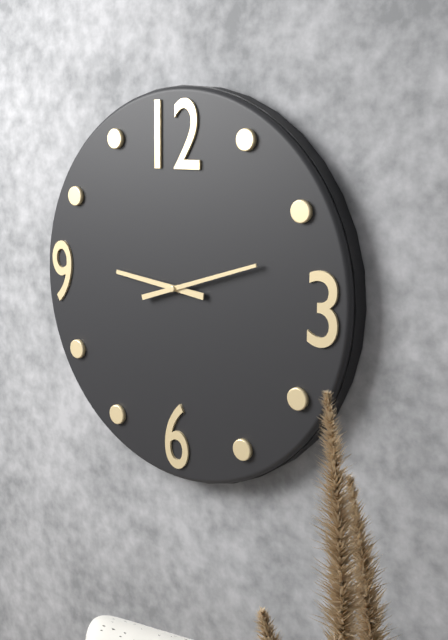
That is 9:12
